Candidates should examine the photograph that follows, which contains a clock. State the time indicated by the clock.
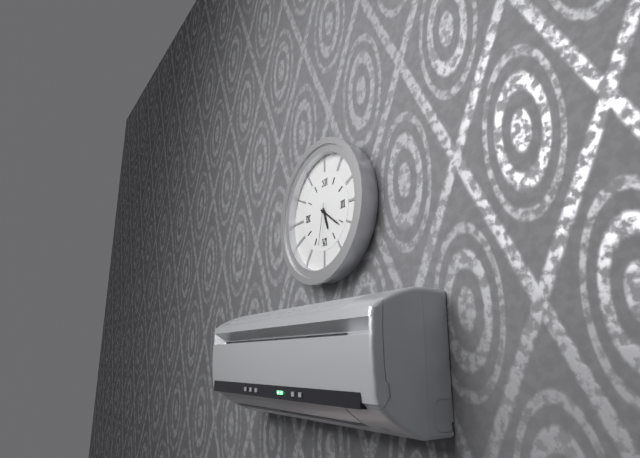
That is 5:21
